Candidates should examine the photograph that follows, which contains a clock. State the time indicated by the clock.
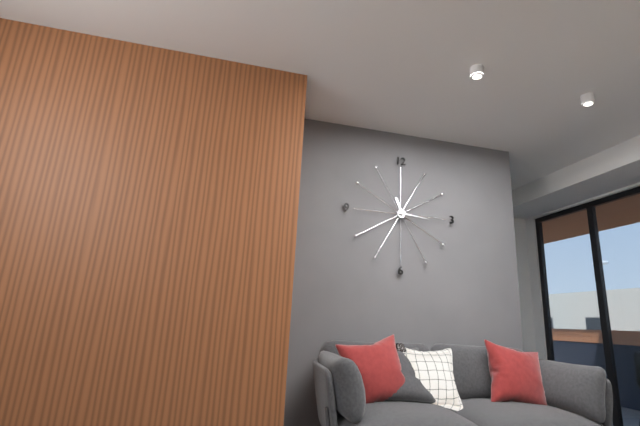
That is 11:16
